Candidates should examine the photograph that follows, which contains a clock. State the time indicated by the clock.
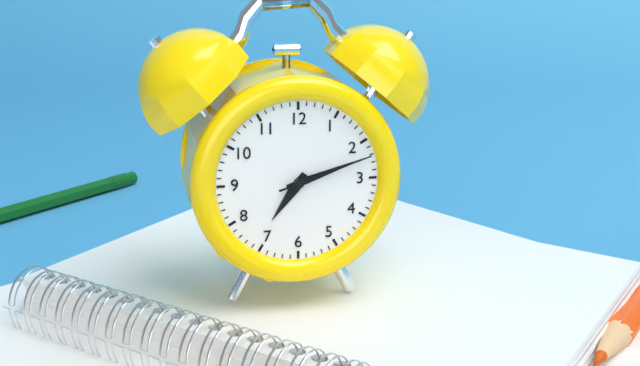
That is 7:12:12
